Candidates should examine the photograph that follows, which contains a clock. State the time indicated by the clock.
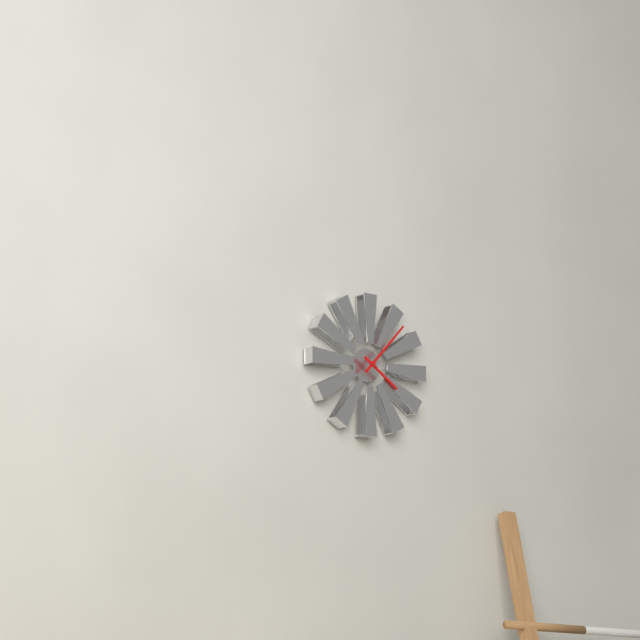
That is 4:07
